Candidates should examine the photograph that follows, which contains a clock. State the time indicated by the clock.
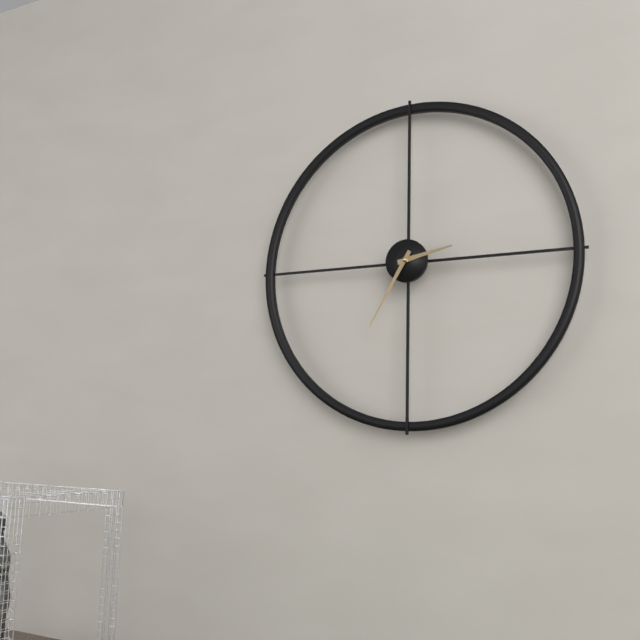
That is 2:35
